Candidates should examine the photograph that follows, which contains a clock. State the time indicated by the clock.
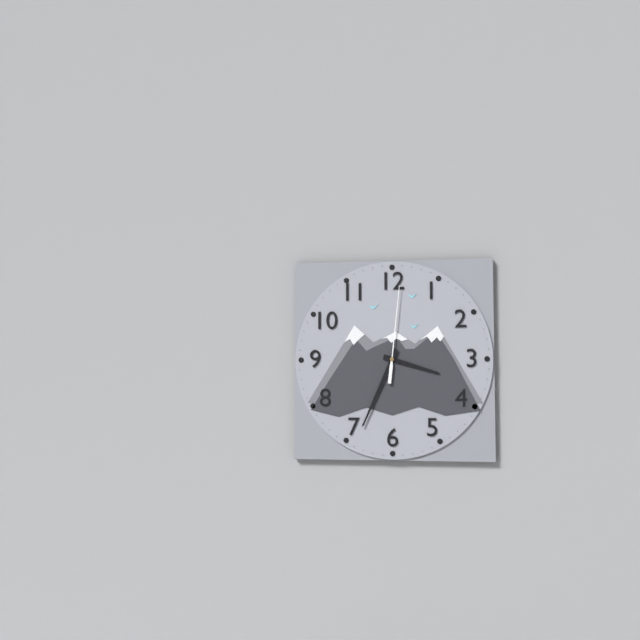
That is 3:34:01
